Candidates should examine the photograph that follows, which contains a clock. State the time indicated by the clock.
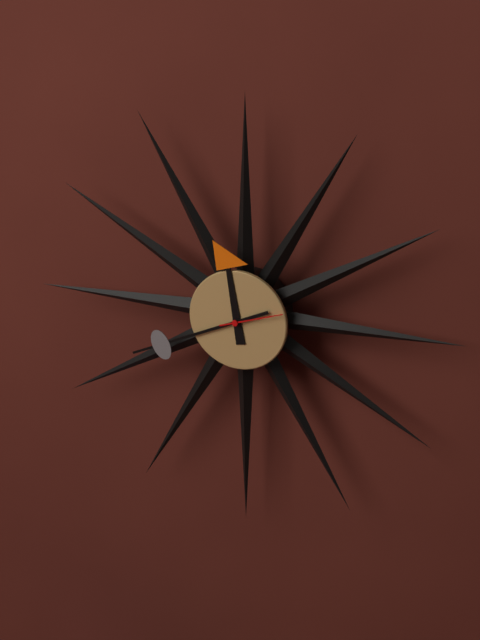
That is 11:41
